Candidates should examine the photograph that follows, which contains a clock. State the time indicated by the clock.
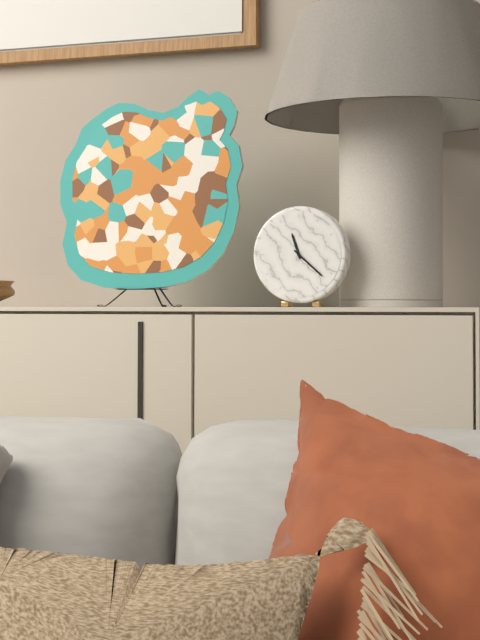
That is 11:22
